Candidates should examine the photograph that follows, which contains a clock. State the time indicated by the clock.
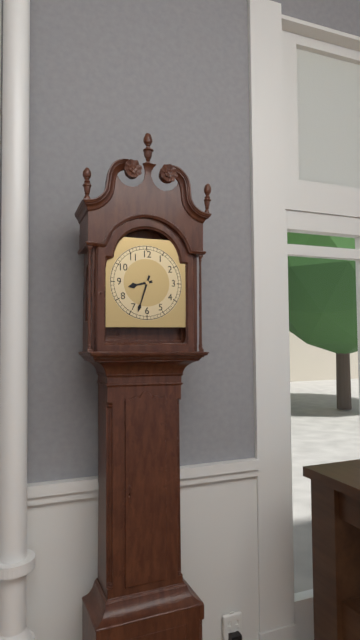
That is 8:33
